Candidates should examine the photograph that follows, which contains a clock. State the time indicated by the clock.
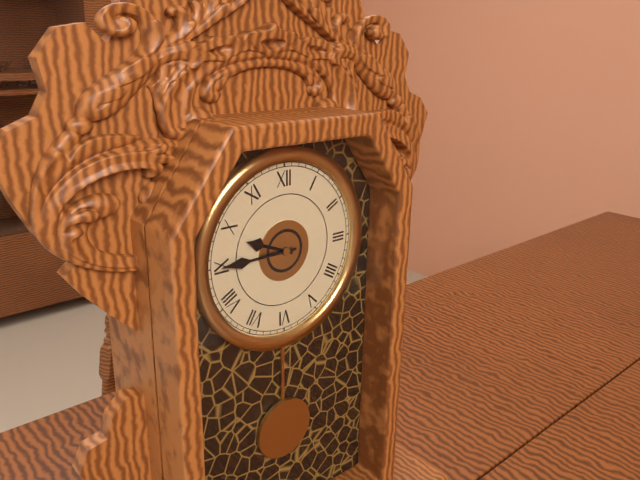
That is 9:45
